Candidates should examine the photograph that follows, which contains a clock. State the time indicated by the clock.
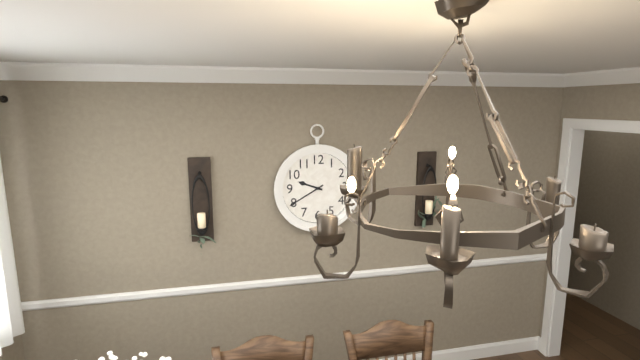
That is 9:40
